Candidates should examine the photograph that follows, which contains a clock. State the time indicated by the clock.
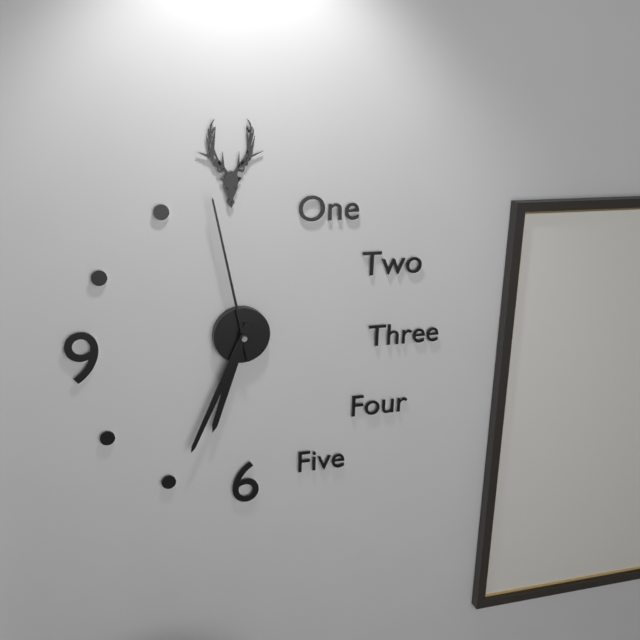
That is 6:34:58
